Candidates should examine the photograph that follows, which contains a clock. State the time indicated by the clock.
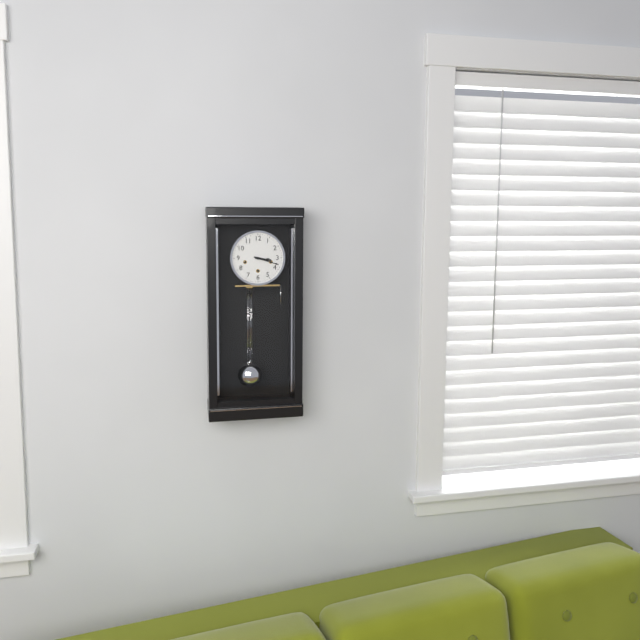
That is 3:18
